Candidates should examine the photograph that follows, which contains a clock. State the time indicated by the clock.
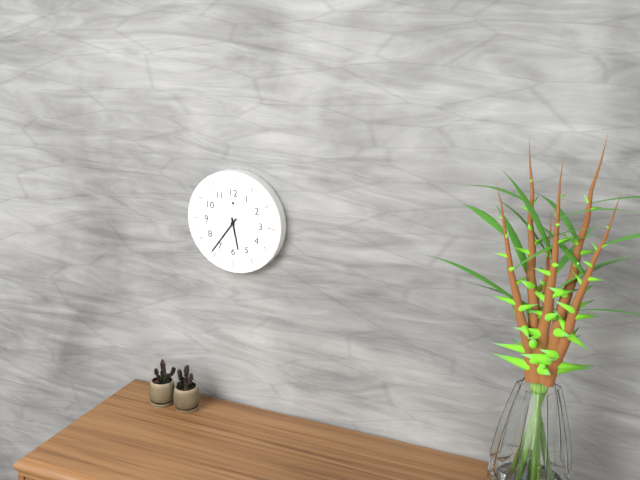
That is 5:36
